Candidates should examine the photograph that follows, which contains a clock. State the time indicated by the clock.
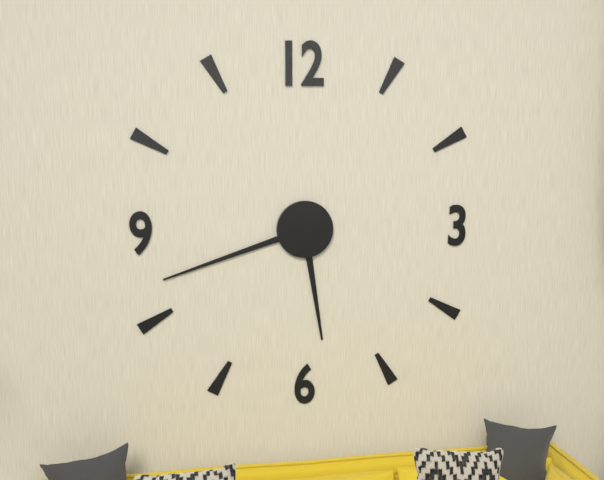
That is 5:42
